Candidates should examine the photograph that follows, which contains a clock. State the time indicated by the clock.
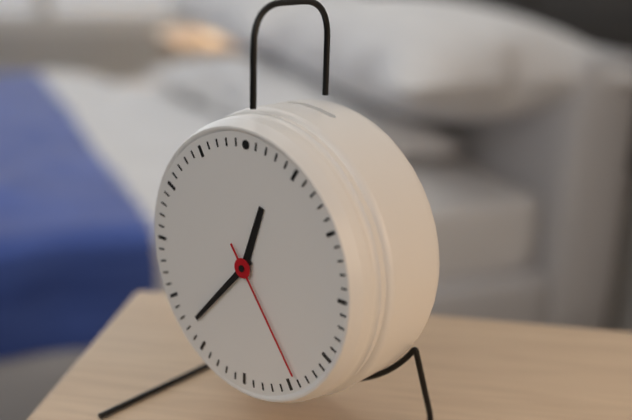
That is 12:37:24
